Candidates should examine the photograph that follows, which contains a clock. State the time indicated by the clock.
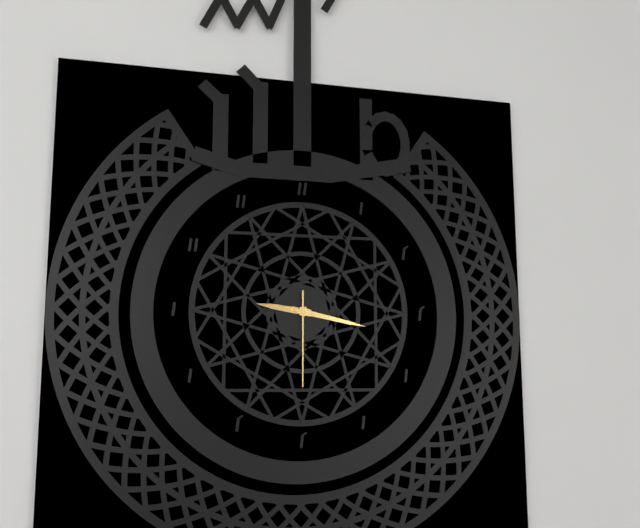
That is 9:17:30
